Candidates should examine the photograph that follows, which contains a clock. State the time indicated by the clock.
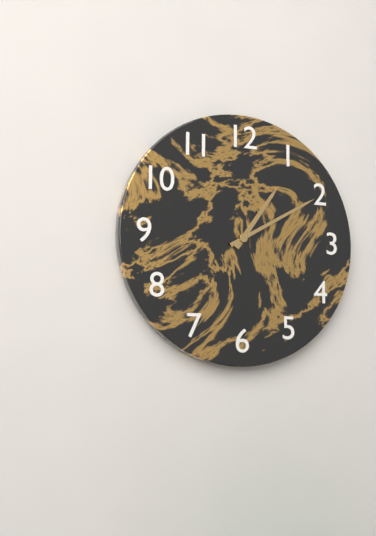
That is 1:10
